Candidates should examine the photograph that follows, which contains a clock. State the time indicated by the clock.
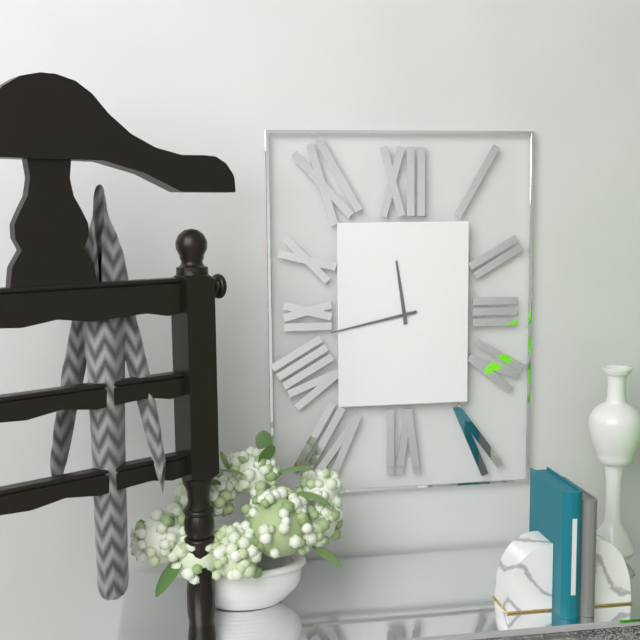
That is 11:43
